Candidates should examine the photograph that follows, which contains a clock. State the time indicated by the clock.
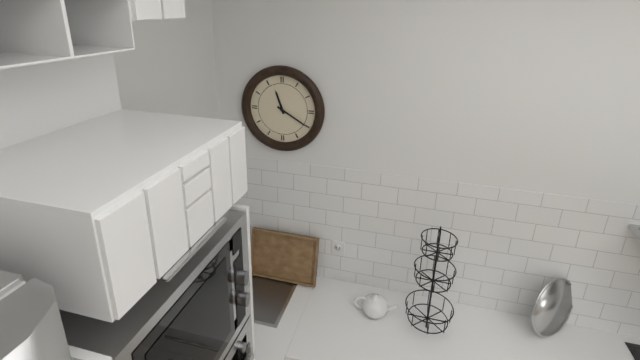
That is 11:20
